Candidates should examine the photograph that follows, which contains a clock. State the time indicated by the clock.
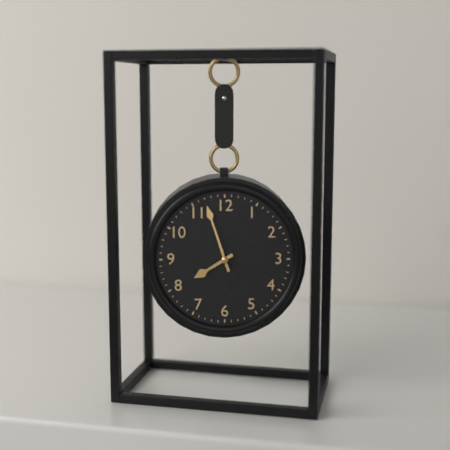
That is 7:57
